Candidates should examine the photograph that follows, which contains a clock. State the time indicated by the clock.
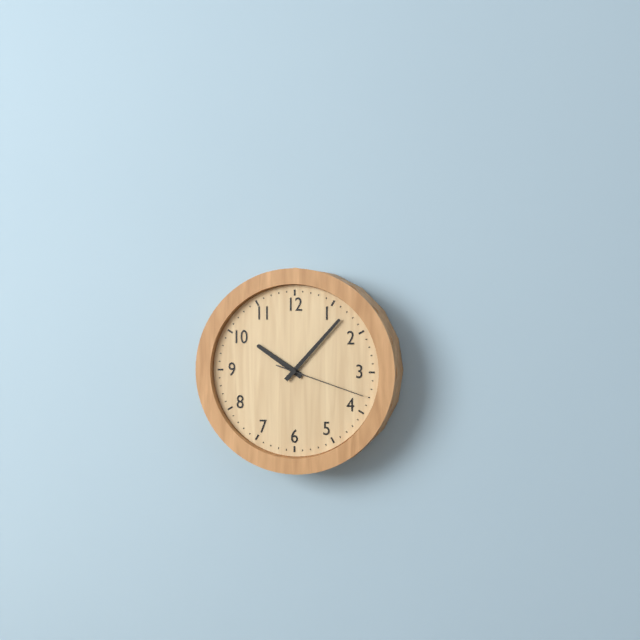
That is 10:07:18
